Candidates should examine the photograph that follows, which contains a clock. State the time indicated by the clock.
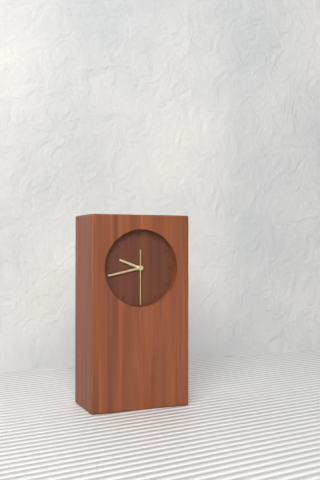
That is 9:43
